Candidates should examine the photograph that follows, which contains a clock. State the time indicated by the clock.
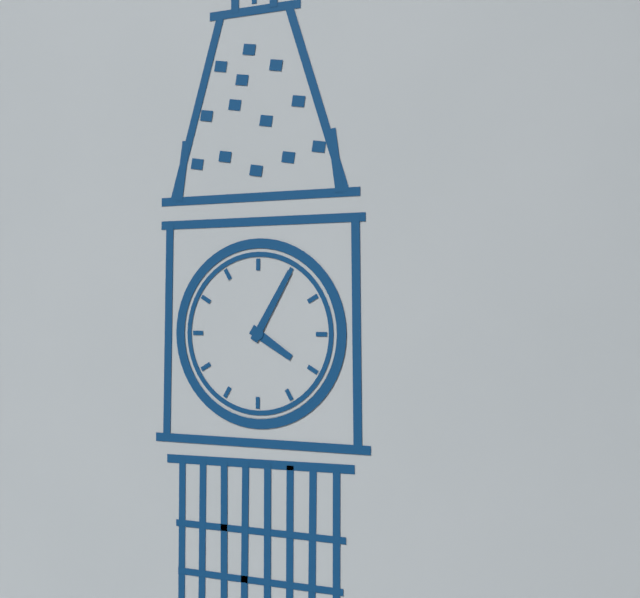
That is 4:05
